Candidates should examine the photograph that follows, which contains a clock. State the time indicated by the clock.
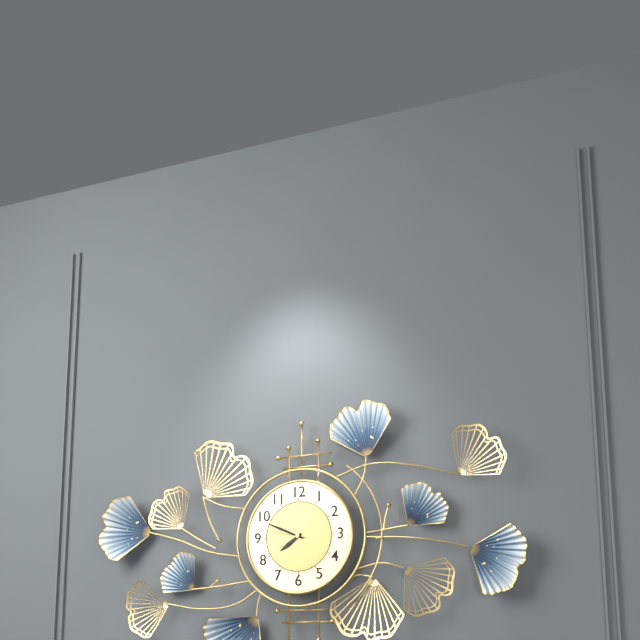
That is 7:49
